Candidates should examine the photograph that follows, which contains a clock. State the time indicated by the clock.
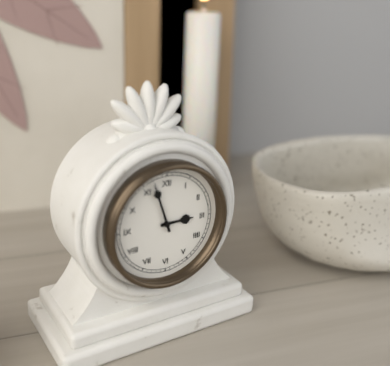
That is 2:57
